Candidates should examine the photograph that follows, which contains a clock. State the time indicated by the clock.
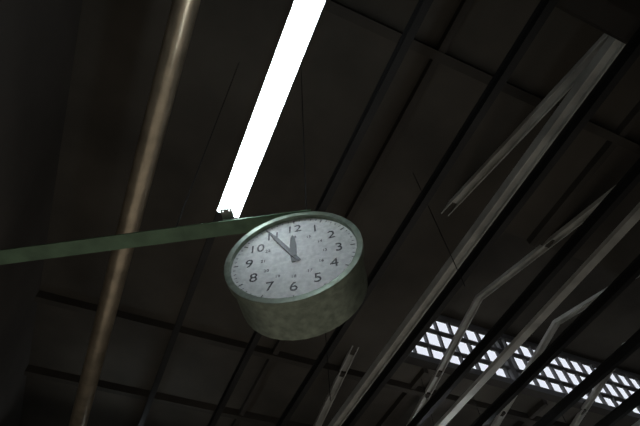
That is 11:55
